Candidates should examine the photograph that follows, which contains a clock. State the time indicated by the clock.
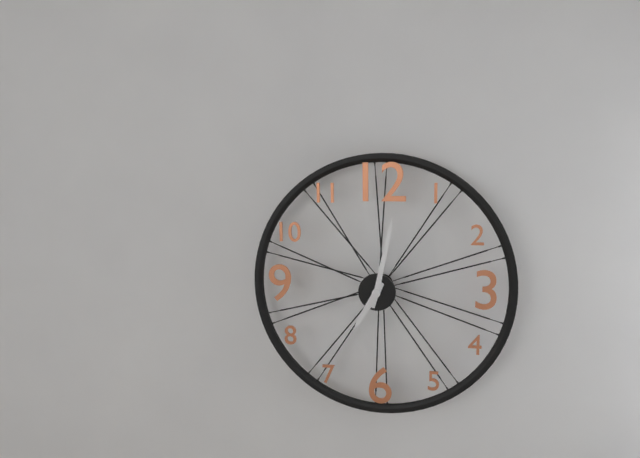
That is 7:02
